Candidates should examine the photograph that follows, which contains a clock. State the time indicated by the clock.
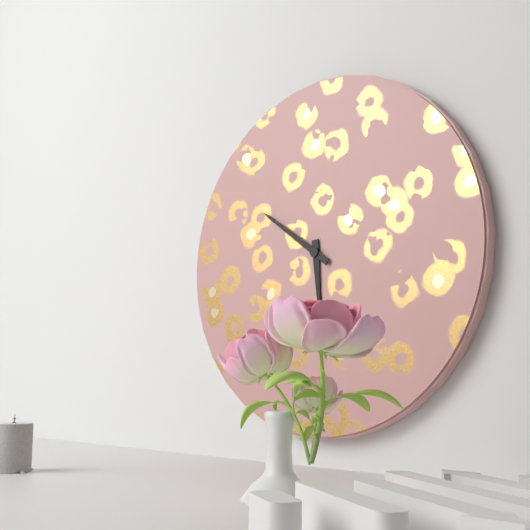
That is 5:51
